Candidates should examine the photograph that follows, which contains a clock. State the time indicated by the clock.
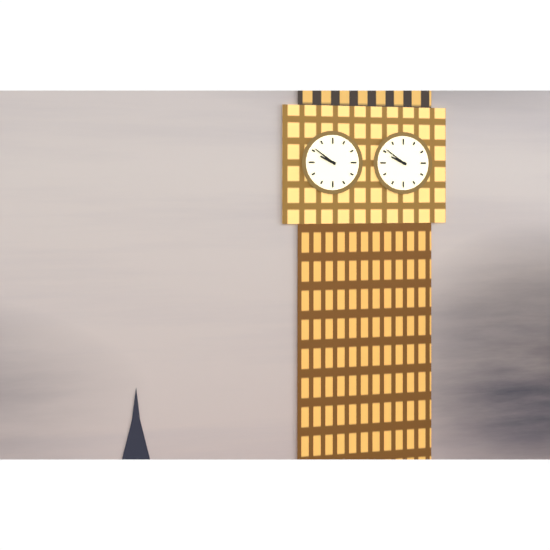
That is 9:51
